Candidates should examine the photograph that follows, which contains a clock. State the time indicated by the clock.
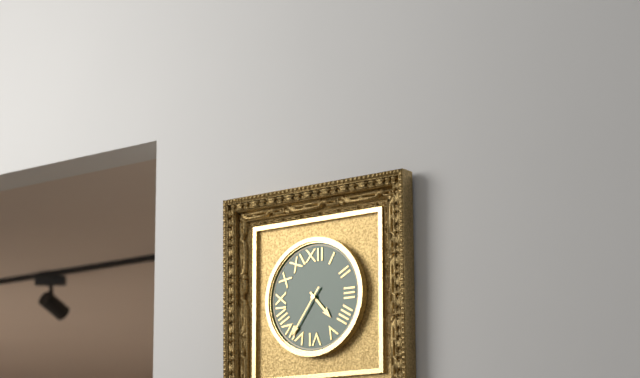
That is 4:36
